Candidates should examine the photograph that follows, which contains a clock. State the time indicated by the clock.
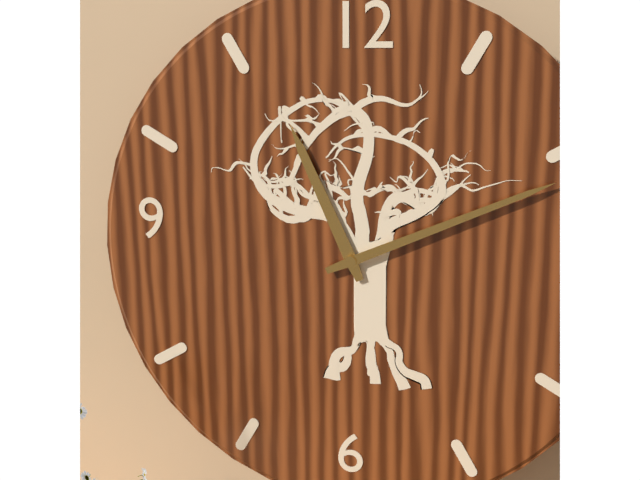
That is 11:11
